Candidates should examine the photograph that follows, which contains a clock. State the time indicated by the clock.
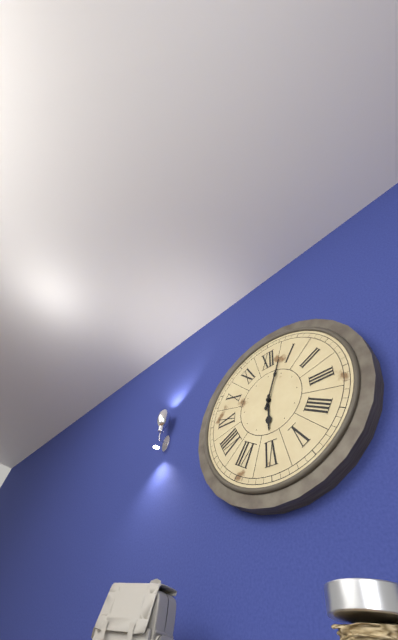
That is 6:03
